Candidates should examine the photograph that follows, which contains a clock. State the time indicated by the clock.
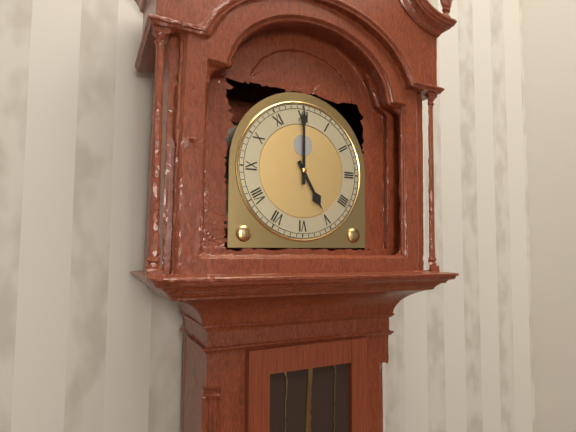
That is 5:00
